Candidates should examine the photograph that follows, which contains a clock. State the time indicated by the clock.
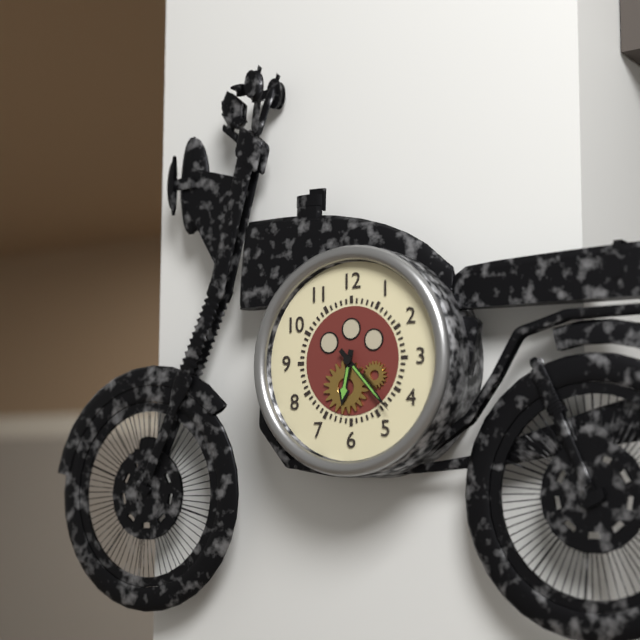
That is 6:23
